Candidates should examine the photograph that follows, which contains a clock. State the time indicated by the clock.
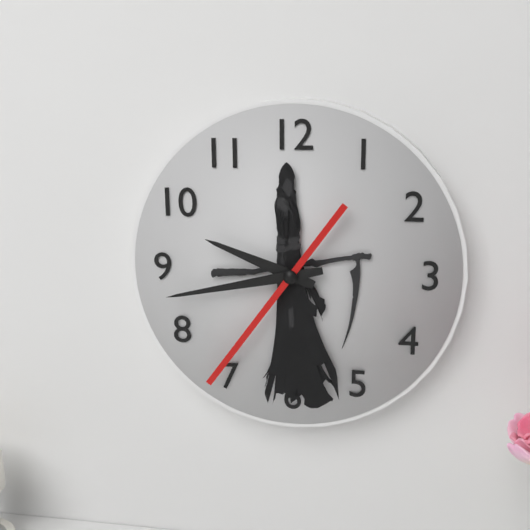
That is 9:43:36
